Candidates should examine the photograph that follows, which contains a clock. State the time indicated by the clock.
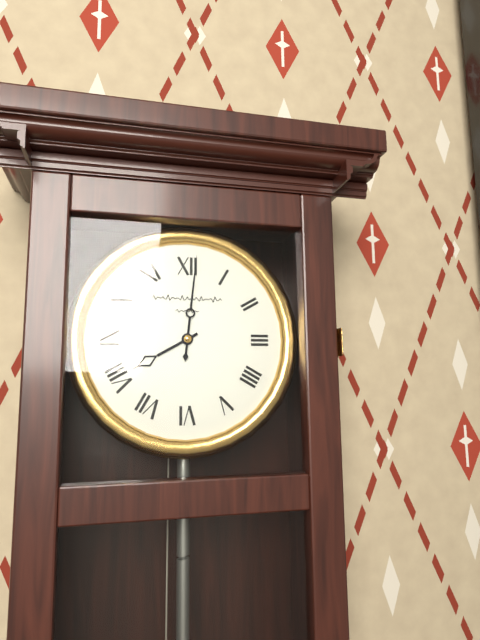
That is 8:01
